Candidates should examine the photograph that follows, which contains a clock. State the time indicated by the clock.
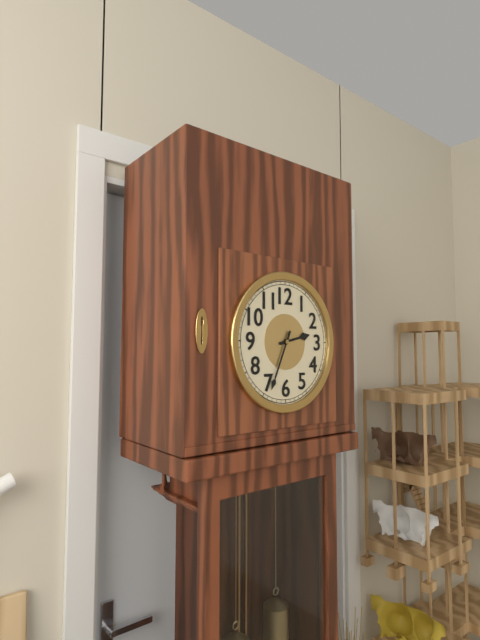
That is 2:34
